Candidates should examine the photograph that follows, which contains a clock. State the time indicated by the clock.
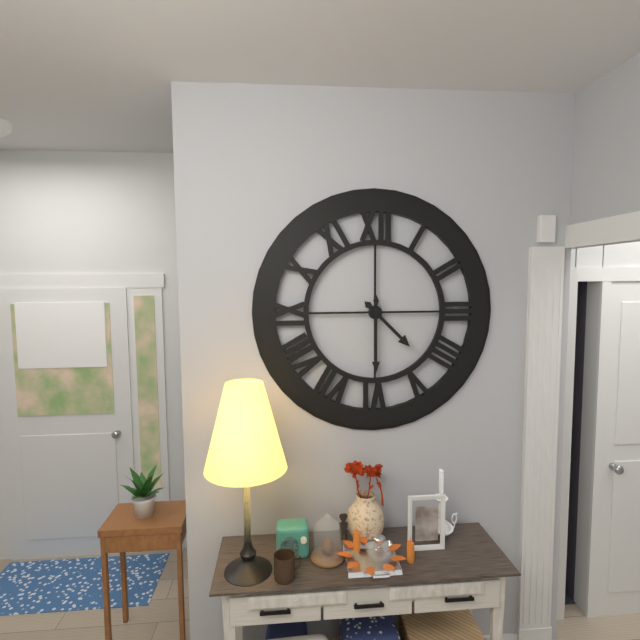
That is 4:30
